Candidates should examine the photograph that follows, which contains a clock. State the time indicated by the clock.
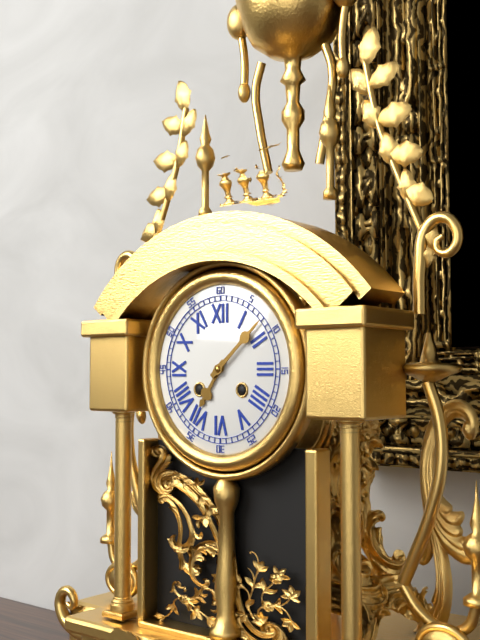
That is 7:08
